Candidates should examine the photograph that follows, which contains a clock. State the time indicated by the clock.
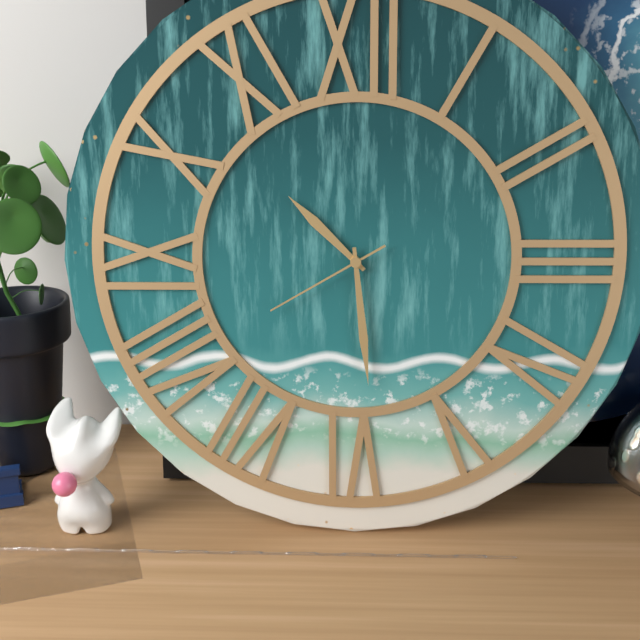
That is 10:29:40
